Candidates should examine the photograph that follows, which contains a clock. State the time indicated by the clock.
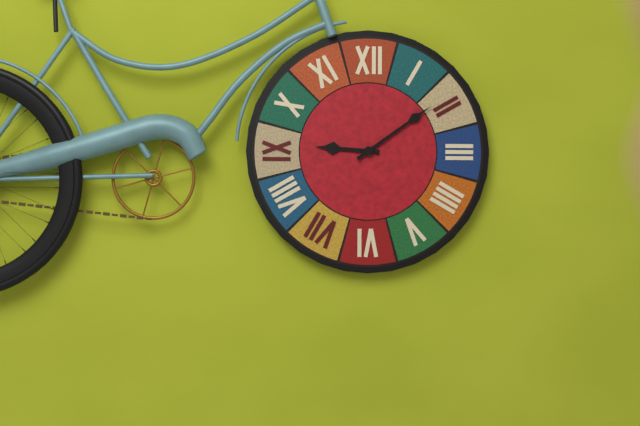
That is 9:09
